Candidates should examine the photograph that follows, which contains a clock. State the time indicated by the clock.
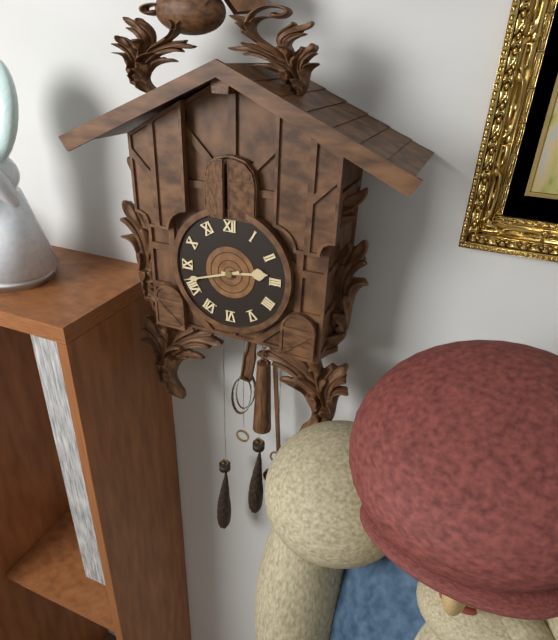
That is 2:42
